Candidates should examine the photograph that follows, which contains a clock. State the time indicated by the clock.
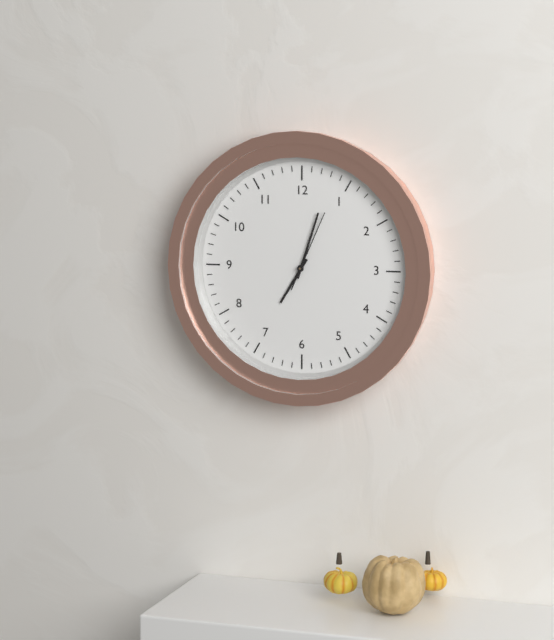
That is 7:03:04
